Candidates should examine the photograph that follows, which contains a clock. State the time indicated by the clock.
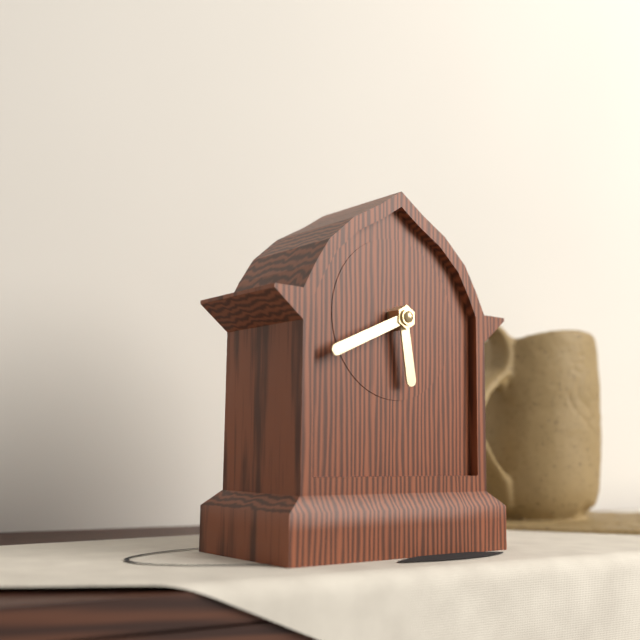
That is 5:41
